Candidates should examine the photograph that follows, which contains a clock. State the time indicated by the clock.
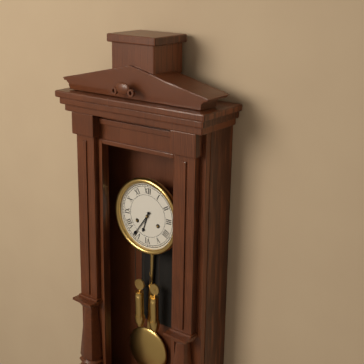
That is 6:36
